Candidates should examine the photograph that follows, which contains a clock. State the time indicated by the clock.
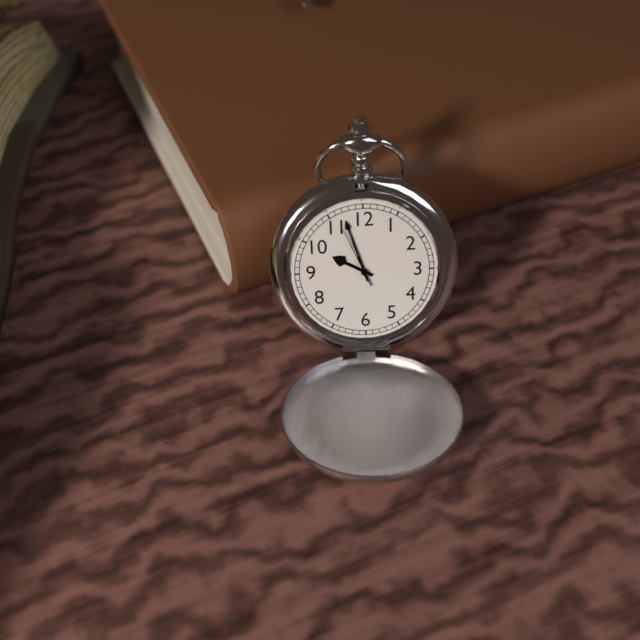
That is 9:57:56
